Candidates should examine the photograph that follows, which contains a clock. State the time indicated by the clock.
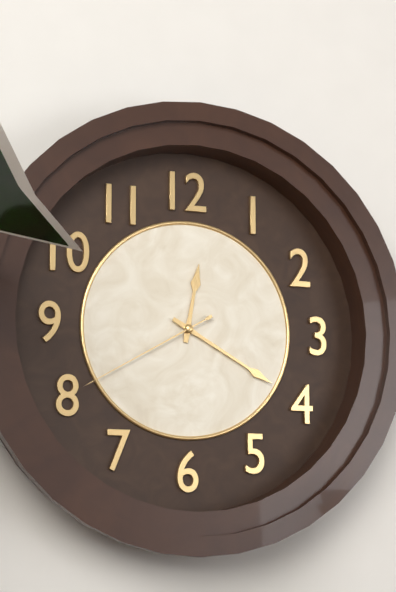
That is 12:20:40
